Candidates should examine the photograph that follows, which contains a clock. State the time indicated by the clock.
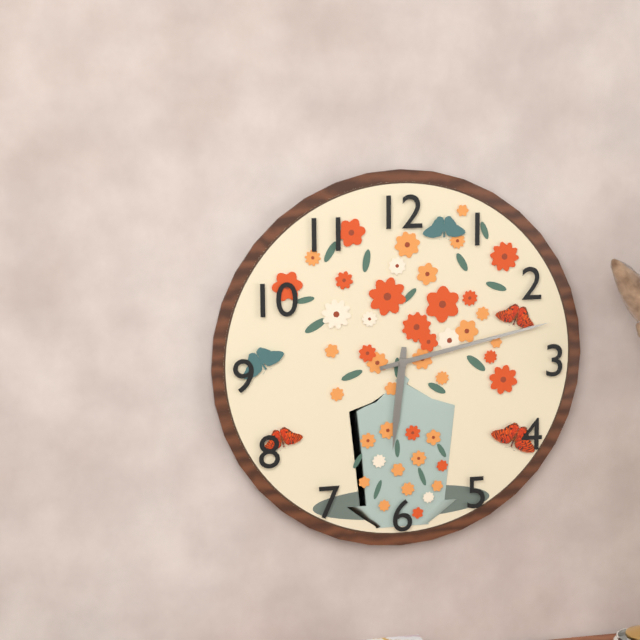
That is 6:13
